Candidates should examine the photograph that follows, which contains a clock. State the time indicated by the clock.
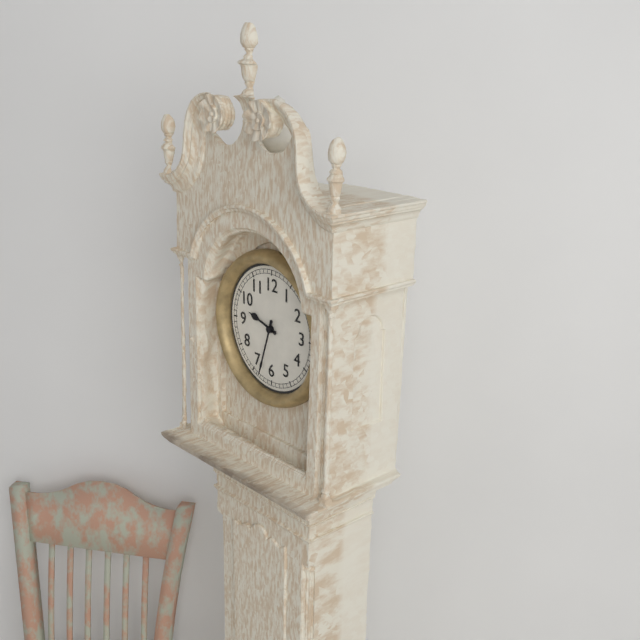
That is 9:33
